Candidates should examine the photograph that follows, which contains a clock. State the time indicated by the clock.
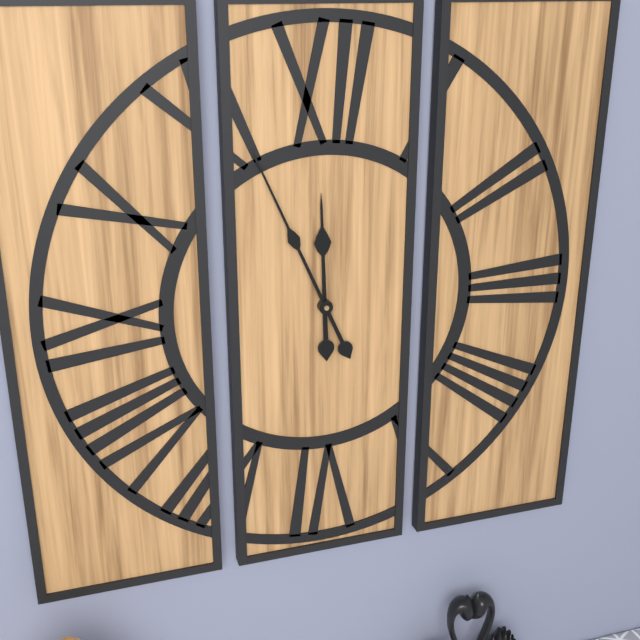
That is 11:56
